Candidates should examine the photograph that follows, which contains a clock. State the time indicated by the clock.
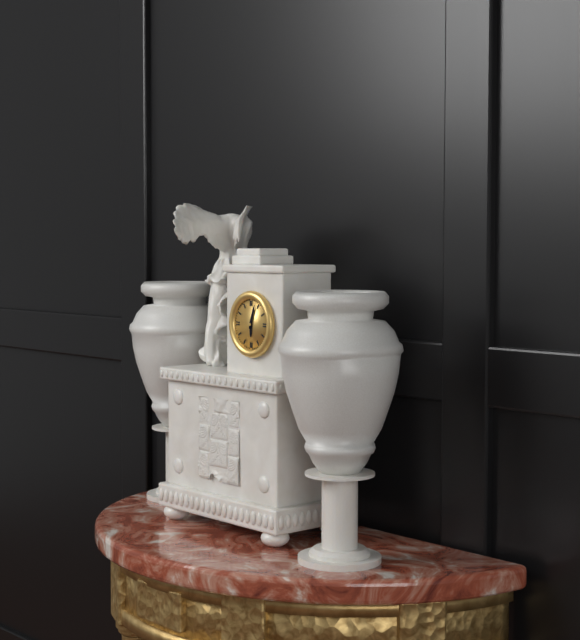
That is 6:03
